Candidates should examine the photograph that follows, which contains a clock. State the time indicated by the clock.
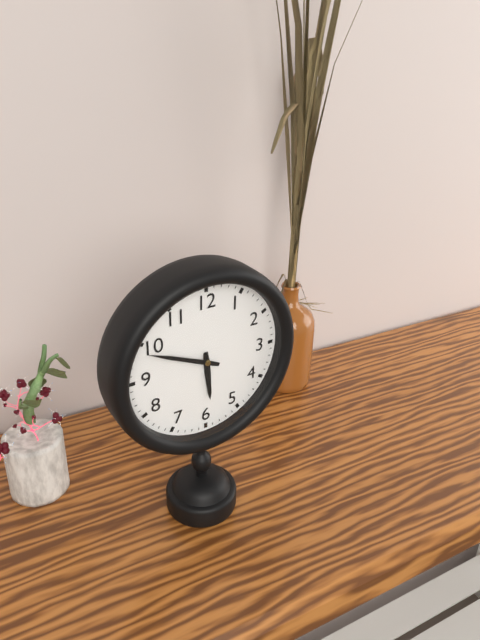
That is 5:49
